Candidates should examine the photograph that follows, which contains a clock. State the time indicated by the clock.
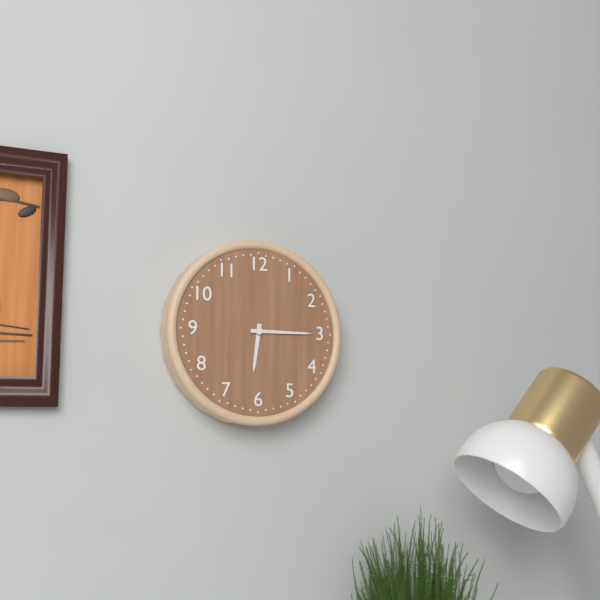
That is 6:15
